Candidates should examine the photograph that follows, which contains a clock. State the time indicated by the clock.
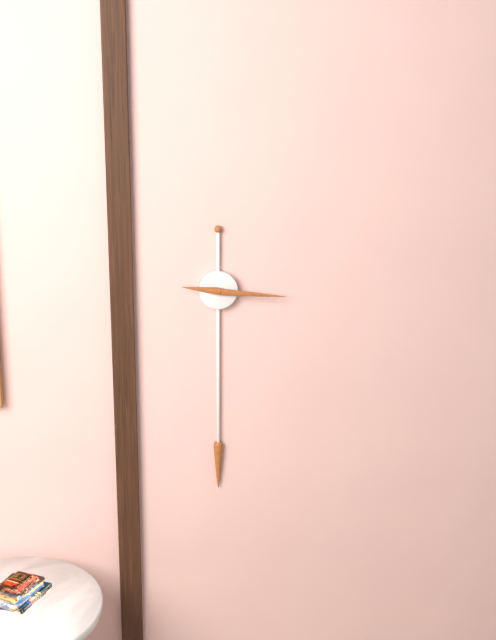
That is 9:16
